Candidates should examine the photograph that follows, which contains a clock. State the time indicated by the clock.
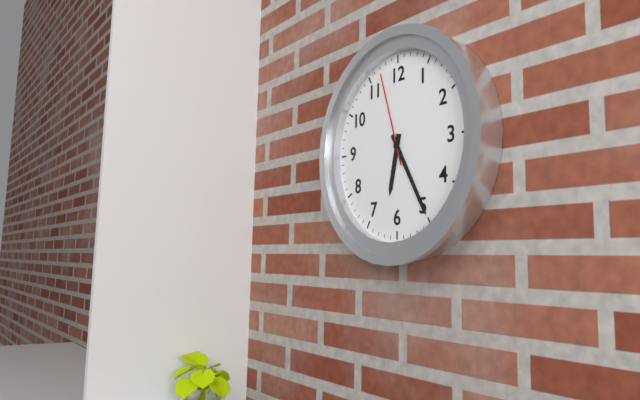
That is 6:25:57
